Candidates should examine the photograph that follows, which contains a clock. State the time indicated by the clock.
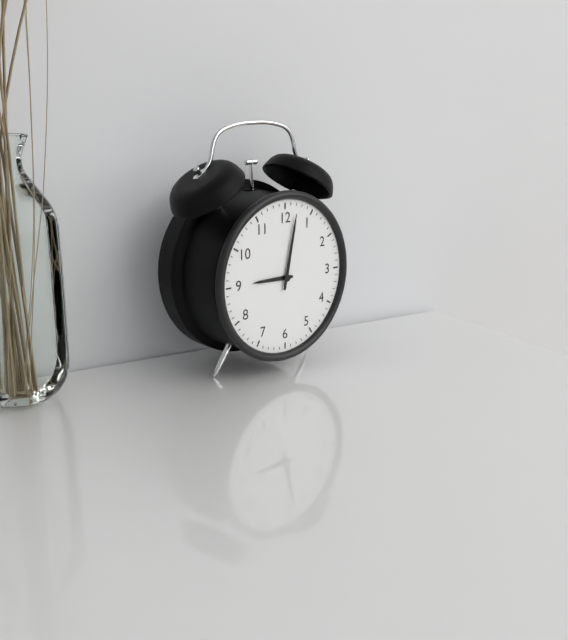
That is 9:02
